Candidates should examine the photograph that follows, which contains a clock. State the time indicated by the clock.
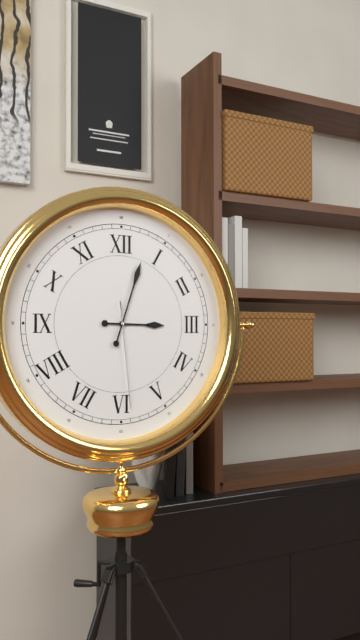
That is 3:03:29
